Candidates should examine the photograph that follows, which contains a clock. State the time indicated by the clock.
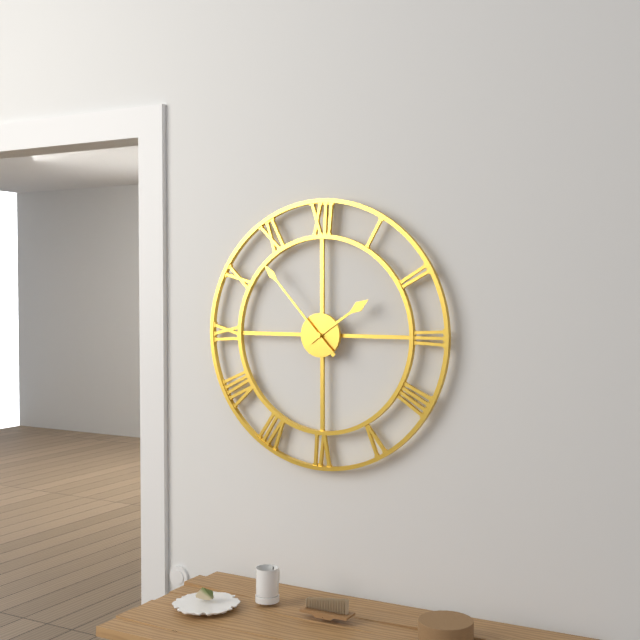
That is 1:53
